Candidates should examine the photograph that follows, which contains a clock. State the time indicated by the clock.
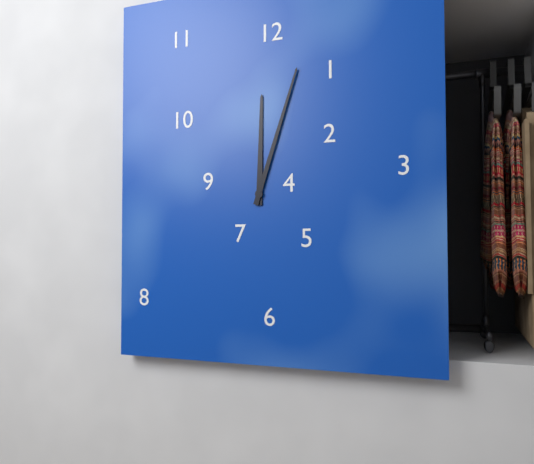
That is 12:03
